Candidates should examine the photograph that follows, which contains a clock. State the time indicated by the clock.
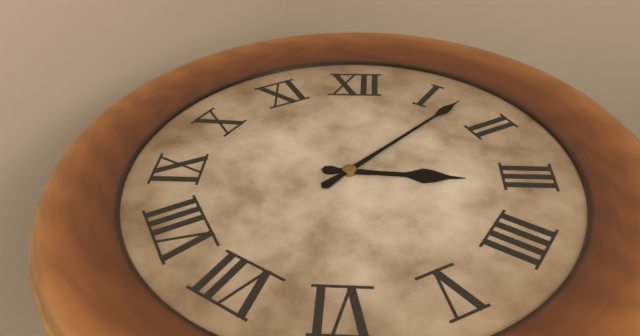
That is 3:07
